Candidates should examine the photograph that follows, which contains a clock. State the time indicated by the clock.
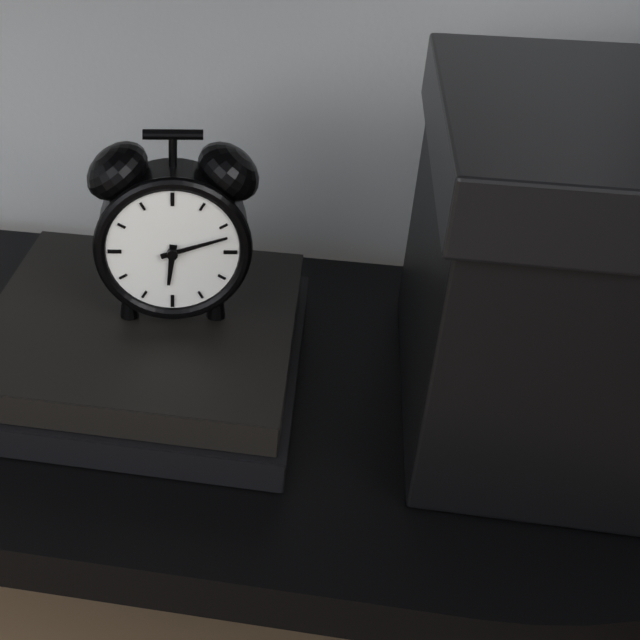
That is 6:12
